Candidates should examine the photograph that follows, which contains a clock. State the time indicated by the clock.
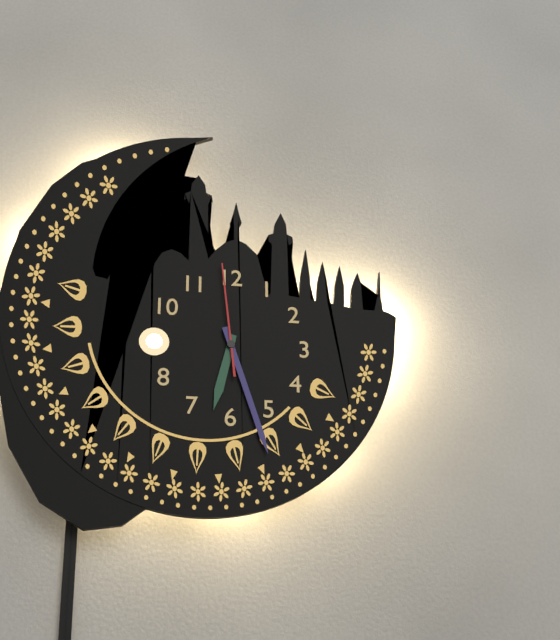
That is 6:27:59
